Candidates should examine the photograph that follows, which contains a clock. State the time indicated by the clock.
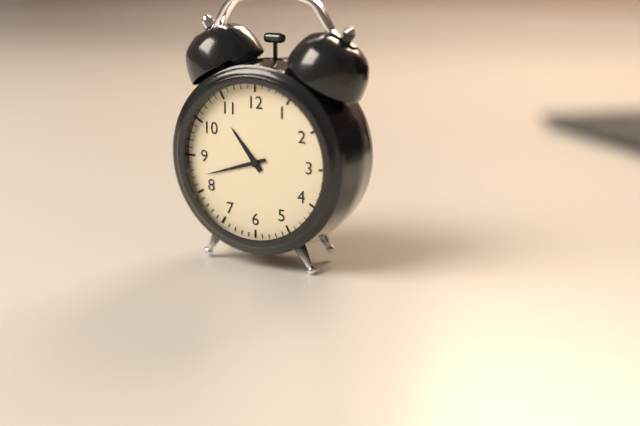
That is 10:42
